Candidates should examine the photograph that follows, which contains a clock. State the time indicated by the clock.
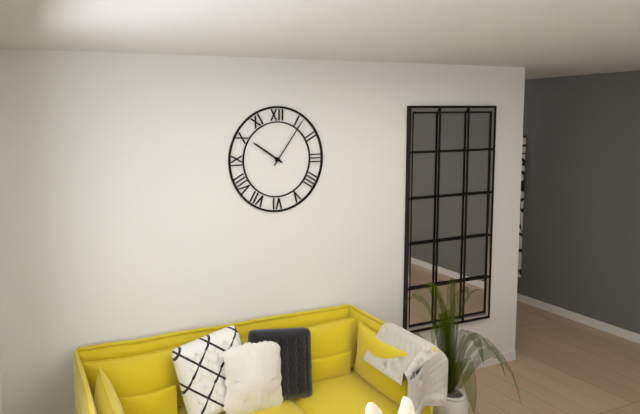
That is 10:06
